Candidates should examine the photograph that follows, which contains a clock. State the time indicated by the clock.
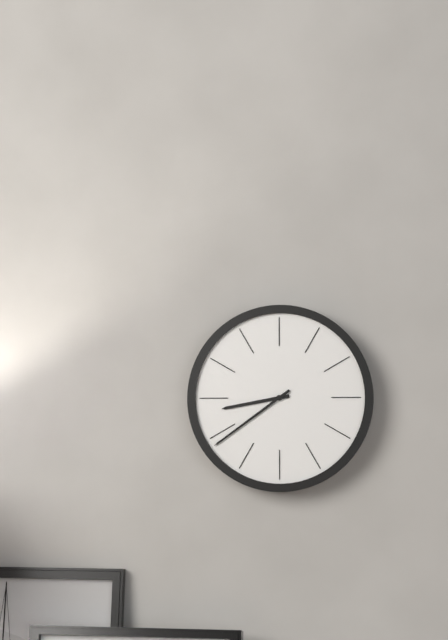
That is 8:39
